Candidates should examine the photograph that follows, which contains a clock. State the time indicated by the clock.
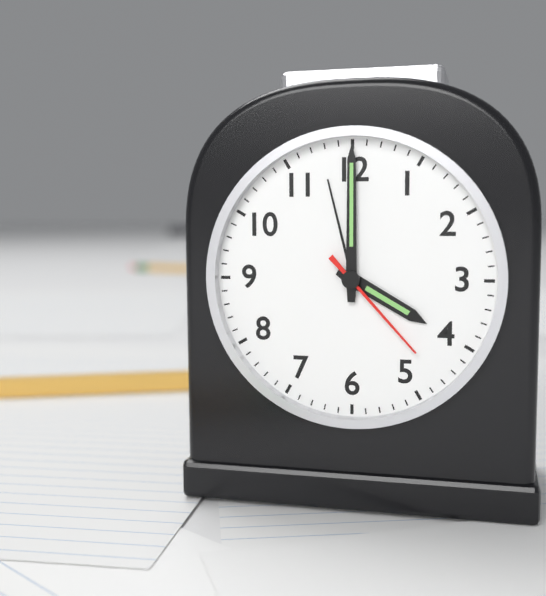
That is 4:00:23
